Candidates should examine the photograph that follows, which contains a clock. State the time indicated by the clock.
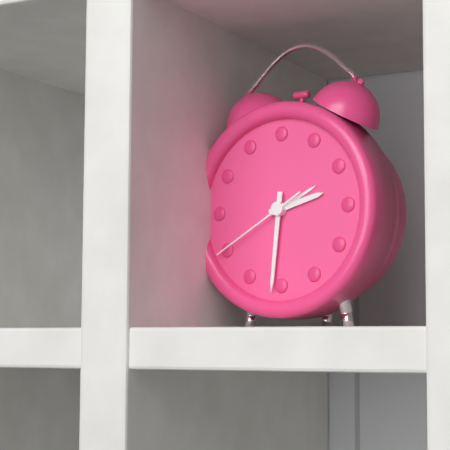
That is 2:31:40
